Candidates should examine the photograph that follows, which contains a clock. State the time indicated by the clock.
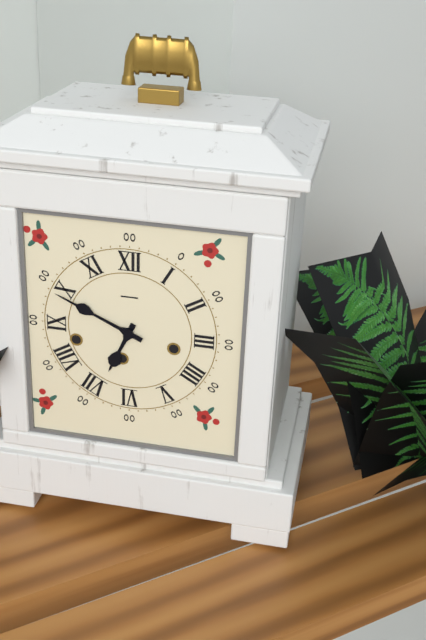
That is 6:49
